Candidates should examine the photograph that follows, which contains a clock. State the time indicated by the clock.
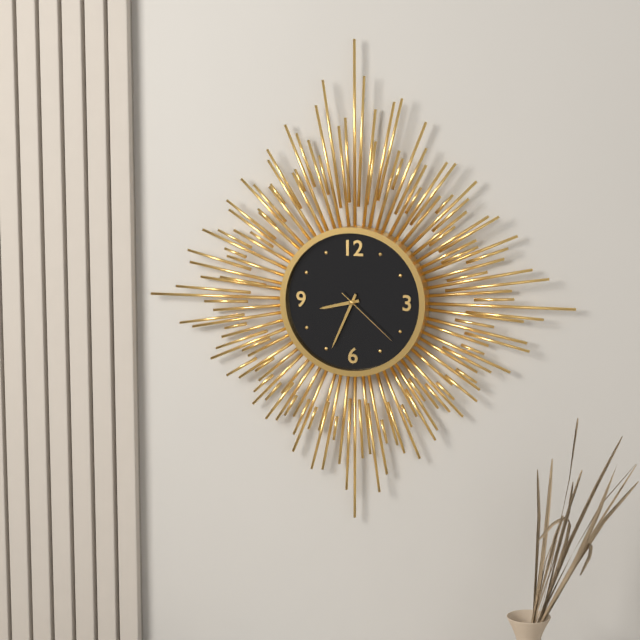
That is 8:34:22
